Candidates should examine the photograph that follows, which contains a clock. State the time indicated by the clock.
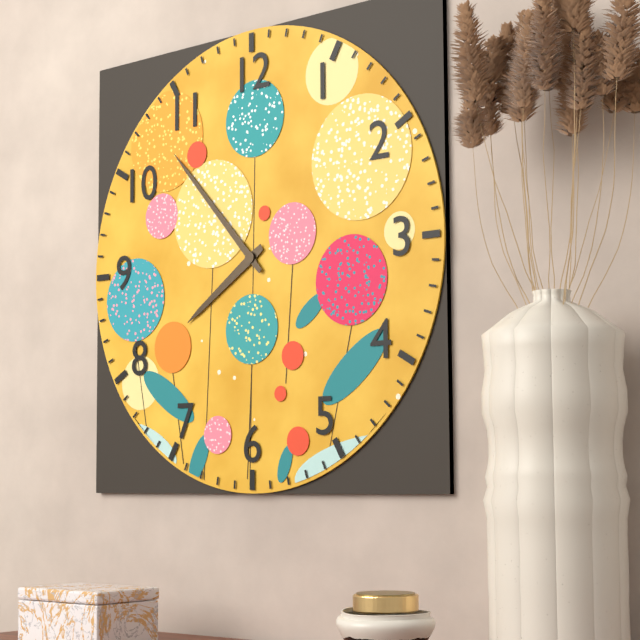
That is 7:53
